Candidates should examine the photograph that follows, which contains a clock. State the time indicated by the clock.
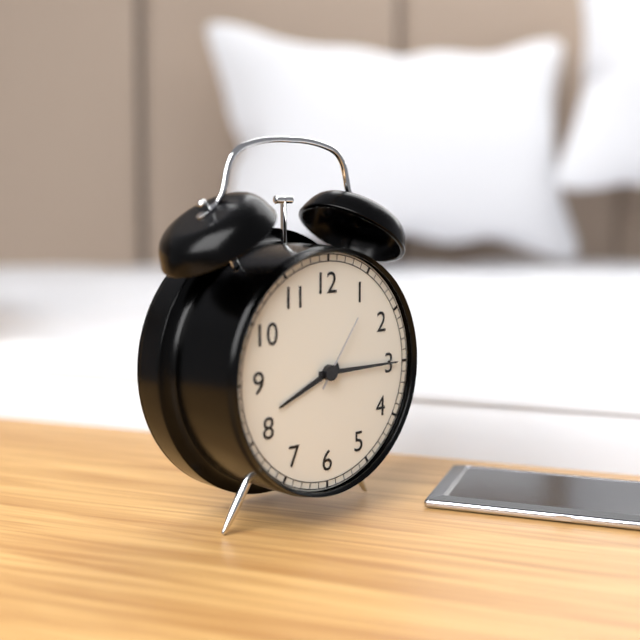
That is 8:15:06
